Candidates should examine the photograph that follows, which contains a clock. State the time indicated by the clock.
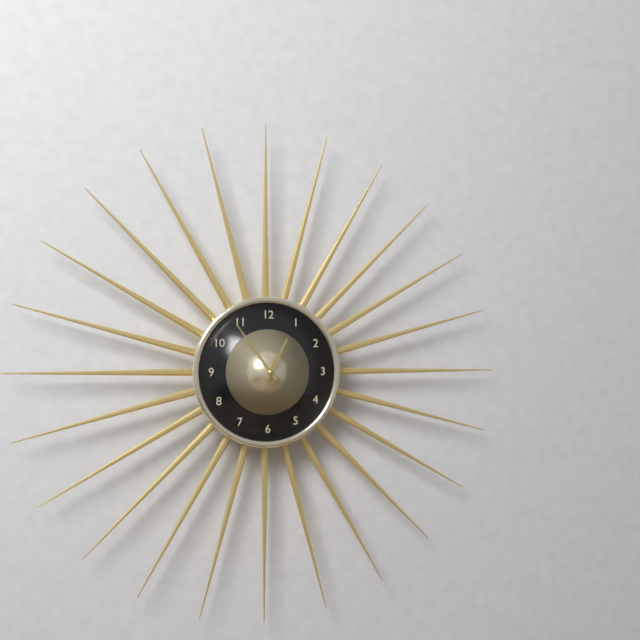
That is 12:54
